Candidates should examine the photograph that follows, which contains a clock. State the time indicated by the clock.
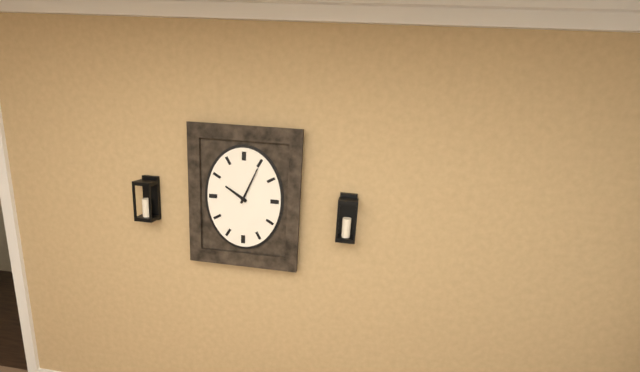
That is 10:04
